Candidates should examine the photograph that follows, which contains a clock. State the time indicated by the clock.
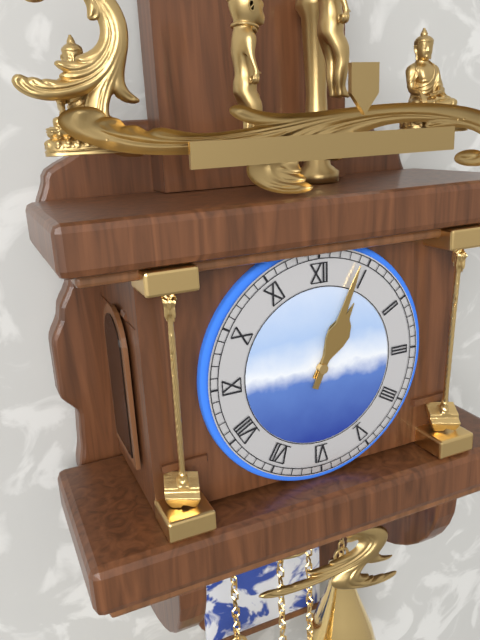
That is 1:04
